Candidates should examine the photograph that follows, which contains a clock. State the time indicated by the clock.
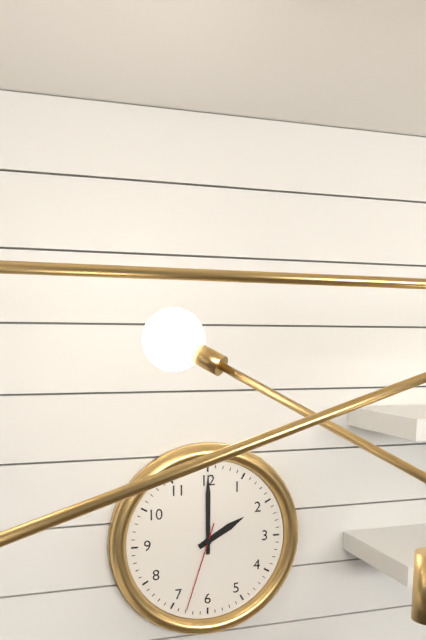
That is 2:00:33
